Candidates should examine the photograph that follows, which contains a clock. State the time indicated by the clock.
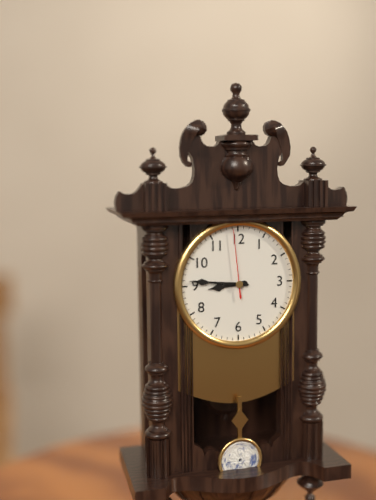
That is 8:46:59
